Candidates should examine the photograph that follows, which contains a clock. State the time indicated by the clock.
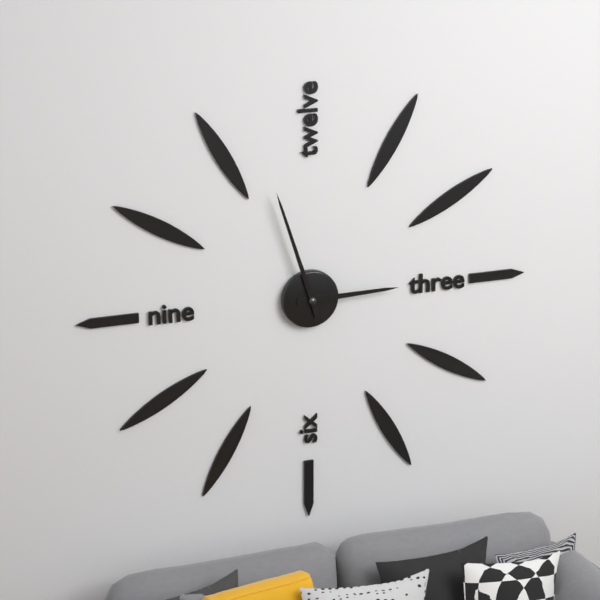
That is 2:57
